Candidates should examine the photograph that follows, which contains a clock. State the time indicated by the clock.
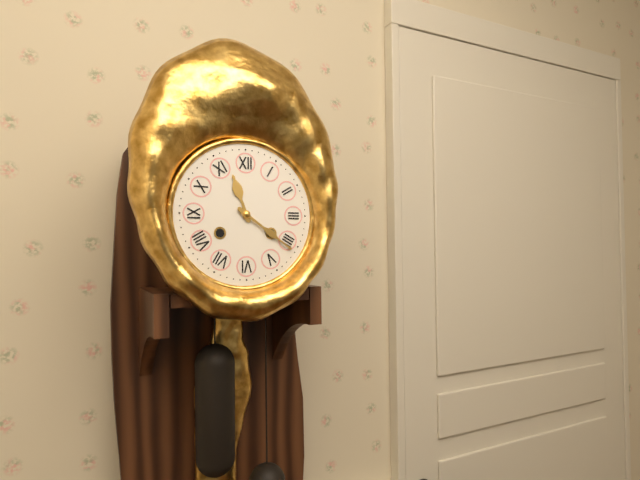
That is 11:21
